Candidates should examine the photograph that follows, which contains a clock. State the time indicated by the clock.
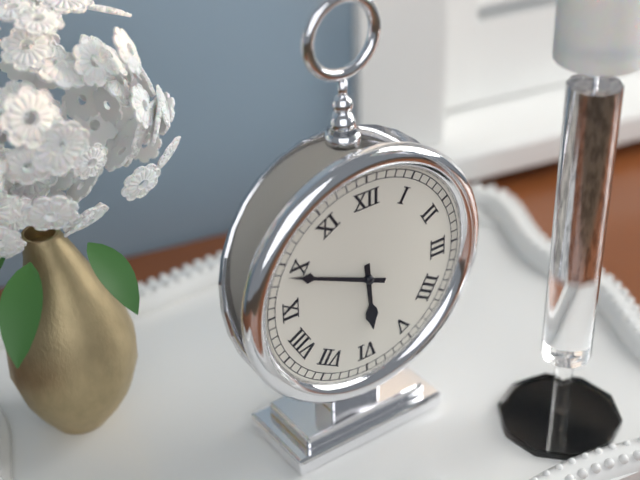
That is 5:49
